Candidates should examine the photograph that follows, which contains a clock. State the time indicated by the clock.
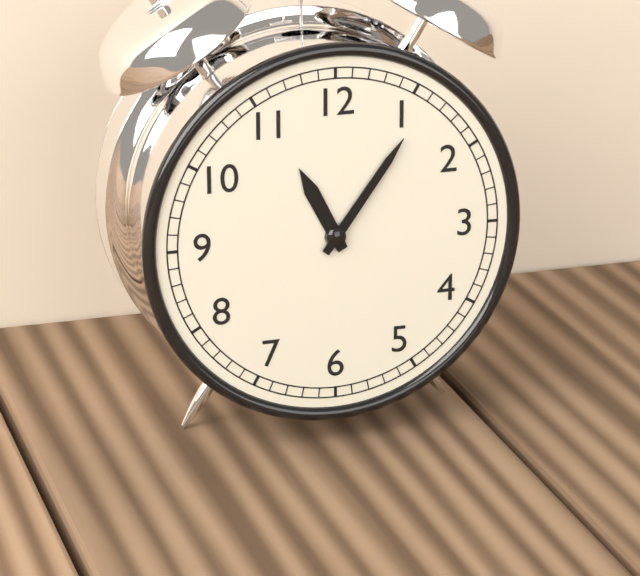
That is 11:06
